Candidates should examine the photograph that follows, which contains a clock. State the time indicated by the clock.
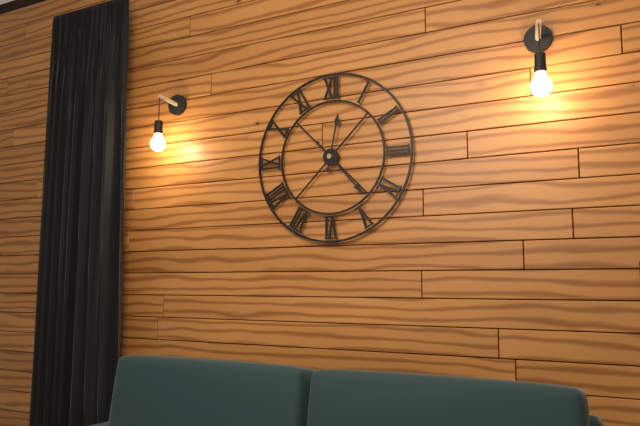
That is 12:23
